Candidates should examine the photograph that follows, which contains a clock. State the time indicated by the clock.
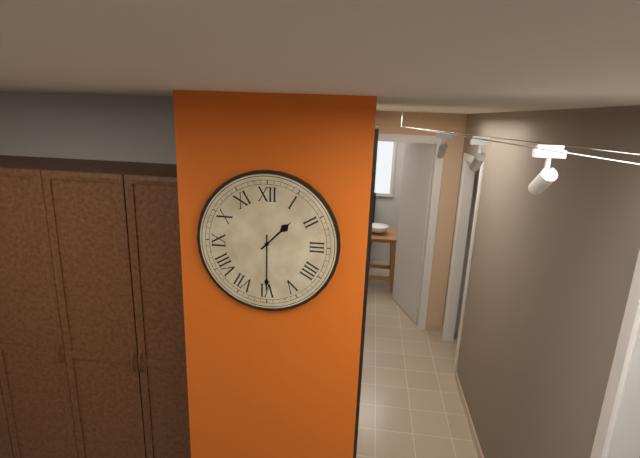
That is 1:30
